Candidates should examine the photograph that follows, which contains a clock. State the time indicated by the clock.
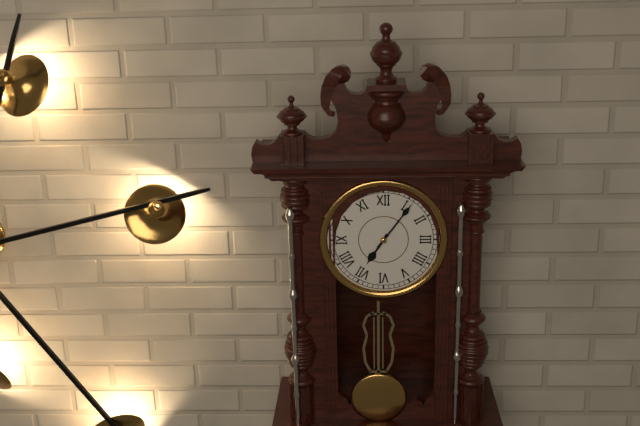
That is 7:06
